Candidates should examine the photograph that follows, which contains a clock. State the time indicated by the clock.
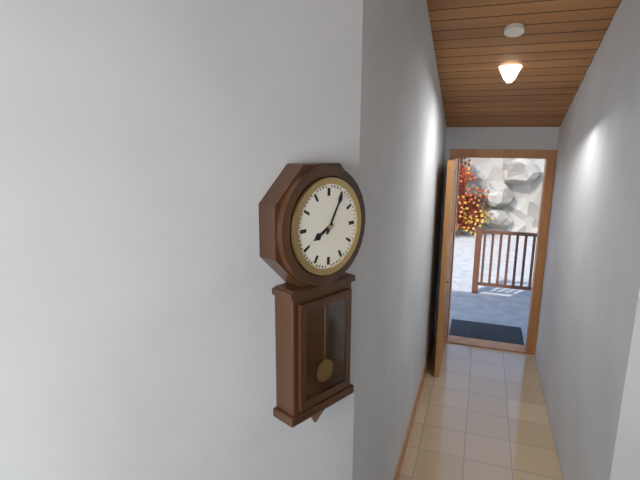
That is 8:05
